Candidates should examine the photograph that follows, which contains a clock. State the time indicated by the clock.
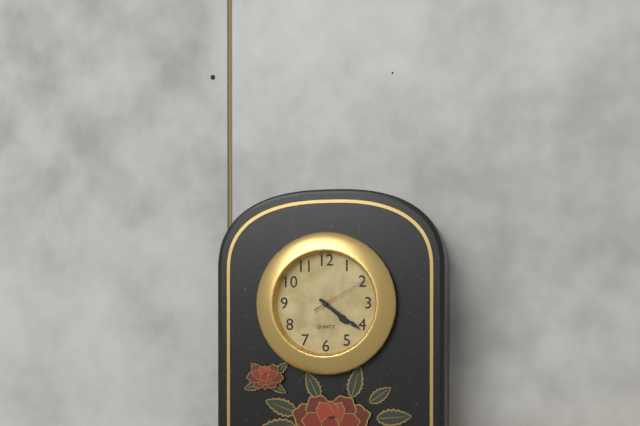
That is 4:21:10
